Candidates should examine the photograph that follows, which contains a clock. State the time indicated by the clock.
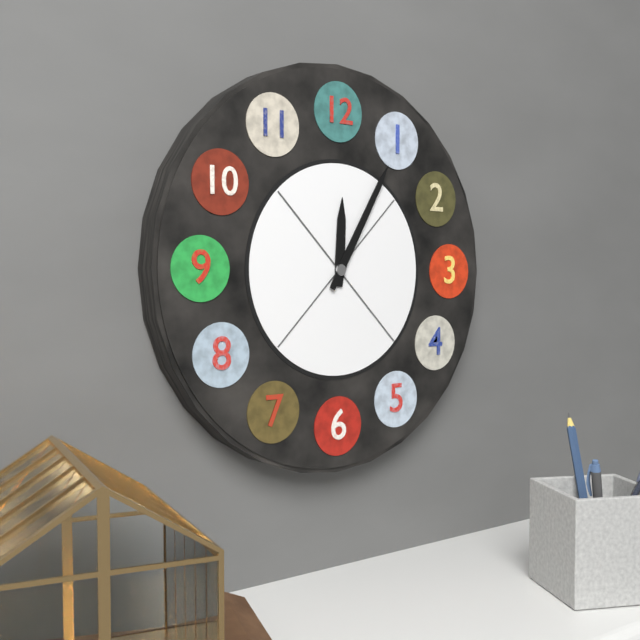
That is 12:05
